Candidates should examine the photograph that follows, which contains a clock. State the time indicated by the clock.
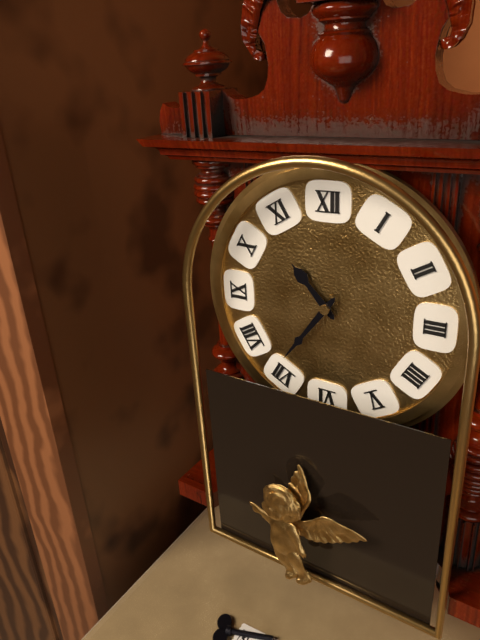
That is 10:36
